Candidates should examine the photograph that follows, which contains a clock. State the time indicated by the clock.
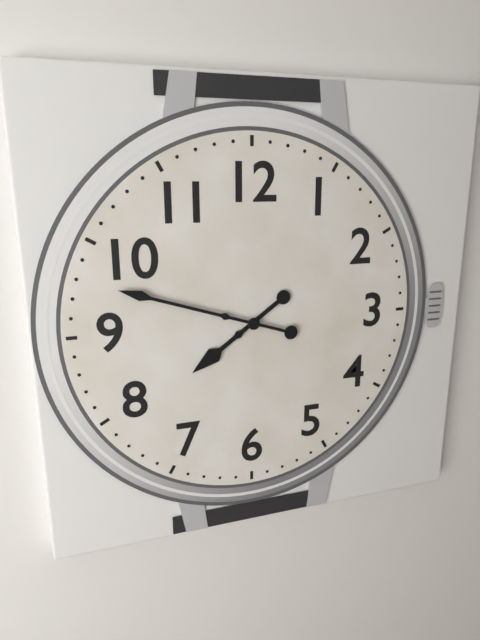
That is 7:48
